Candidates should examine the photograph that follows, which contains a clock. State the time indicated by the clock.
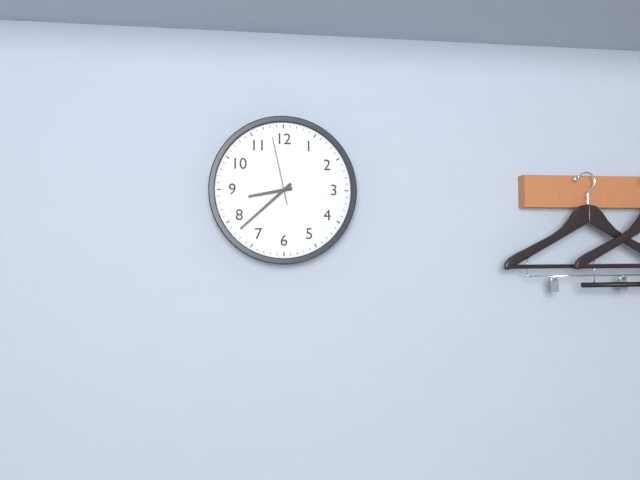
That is 8:38:58
